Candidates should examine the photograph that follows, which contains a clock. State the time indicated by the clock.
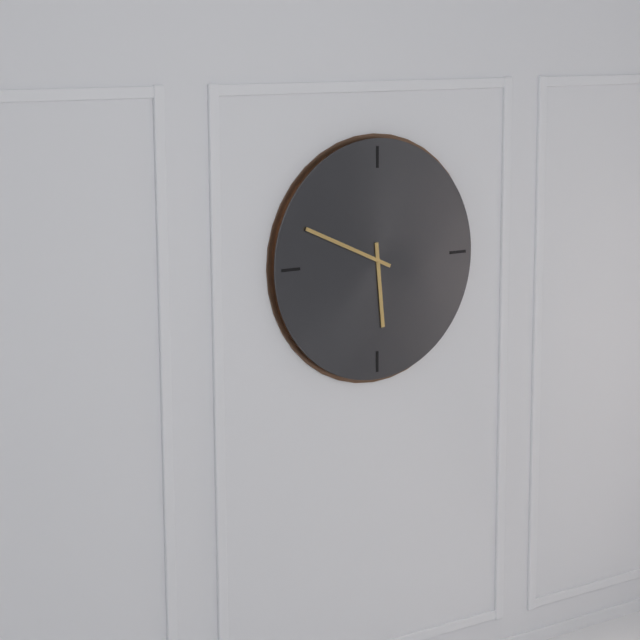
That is 5:49
